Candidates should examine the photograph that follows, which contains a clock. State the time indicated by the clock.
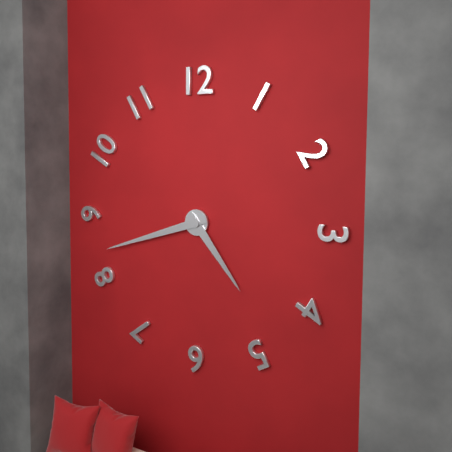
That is 4:42
